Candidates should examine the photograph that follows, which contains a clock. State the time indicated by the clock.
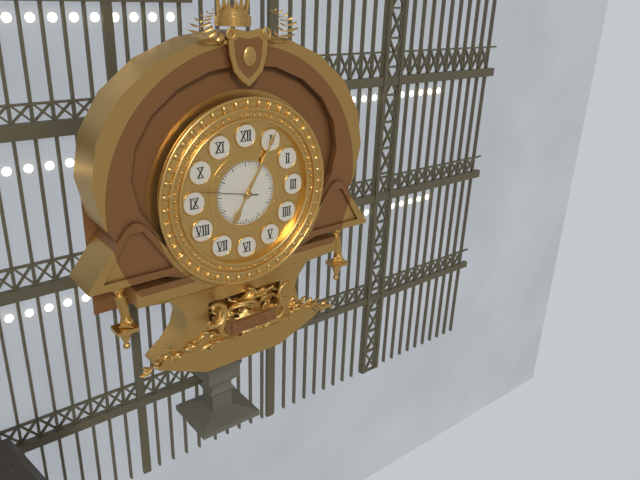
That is 1:05:47
